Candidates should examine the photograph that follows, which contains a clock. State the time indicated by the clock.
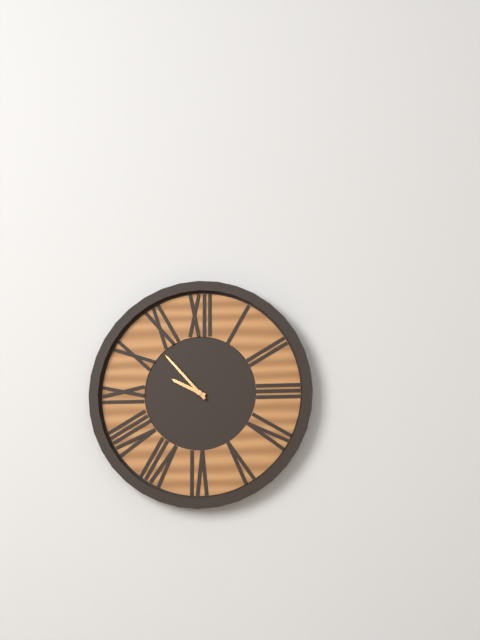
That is 9:53
